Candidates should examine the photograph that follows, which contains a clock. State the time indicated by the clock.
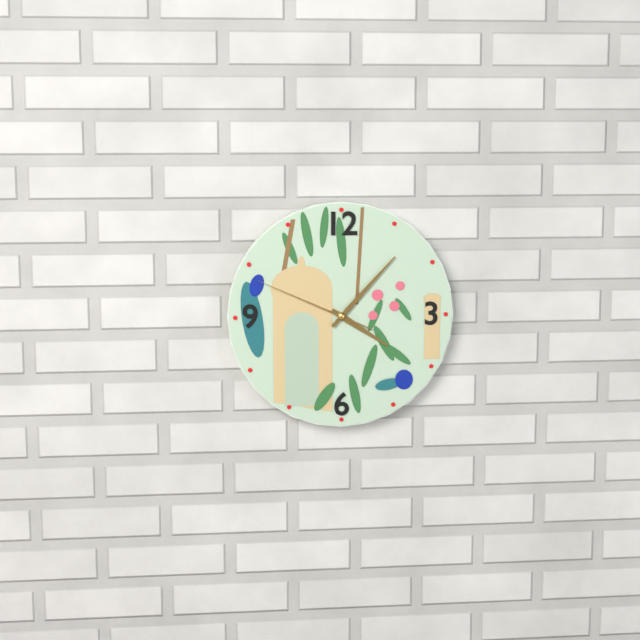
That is 4:07:49
